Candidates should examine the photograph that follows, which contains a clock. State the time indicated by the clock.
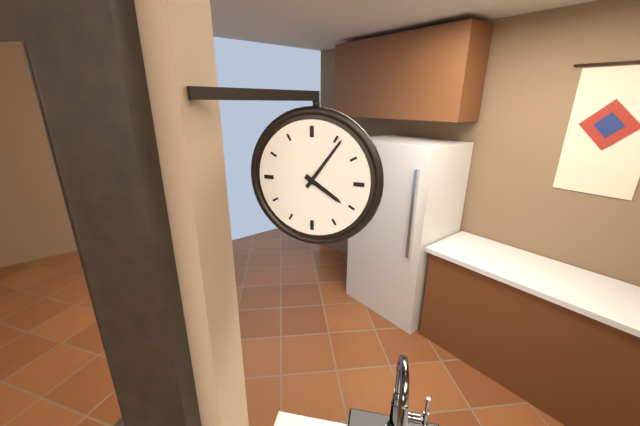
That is 4:06
